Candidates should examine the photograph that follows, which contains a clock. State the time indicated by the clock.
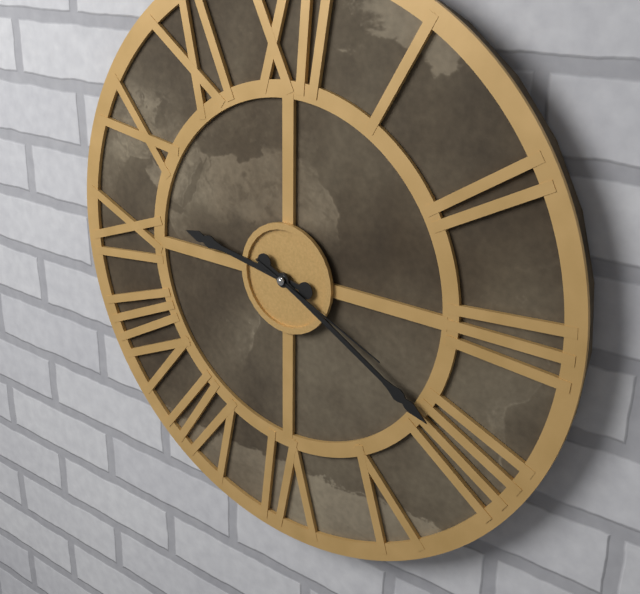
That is 9:20:19
